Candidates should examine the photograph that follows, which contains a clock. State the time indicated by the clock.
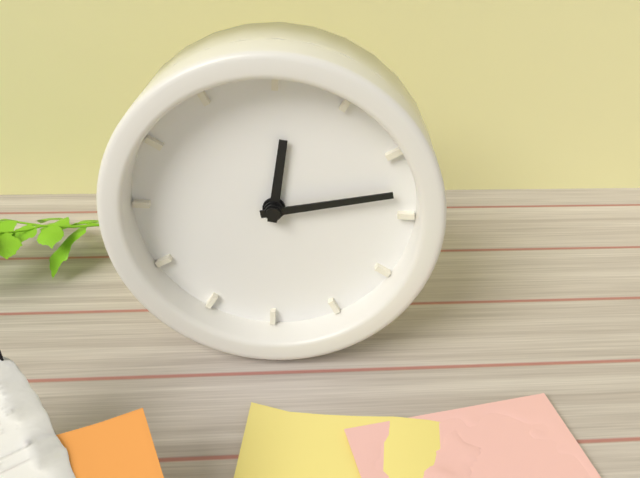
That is 12:13
